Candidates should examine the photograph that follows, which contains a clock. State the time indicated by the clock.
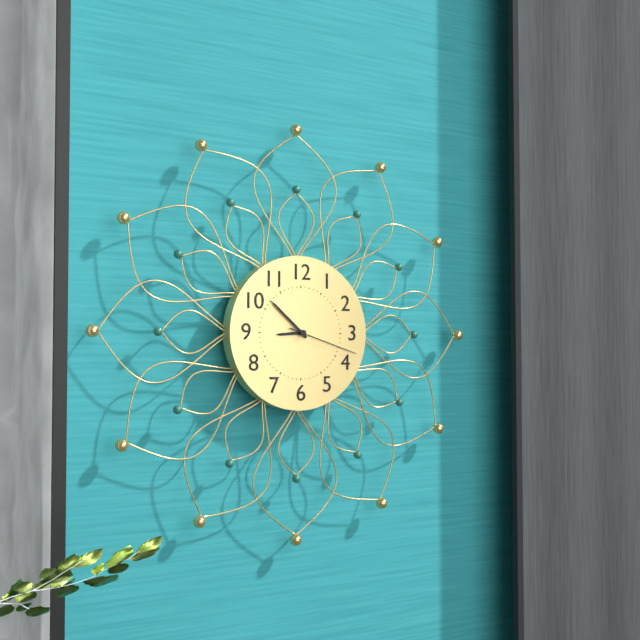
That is 8:52:18
